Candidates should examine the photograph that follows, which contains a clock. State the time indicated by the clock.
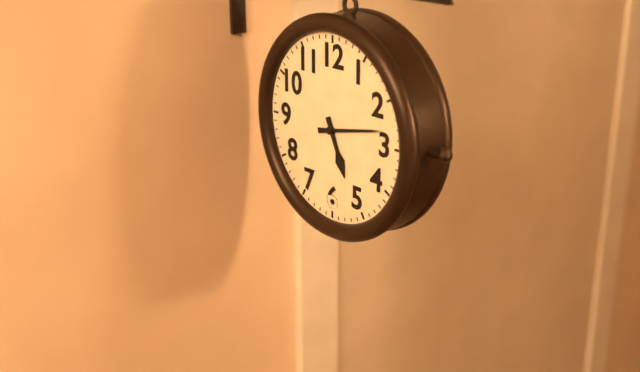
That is 5:13
